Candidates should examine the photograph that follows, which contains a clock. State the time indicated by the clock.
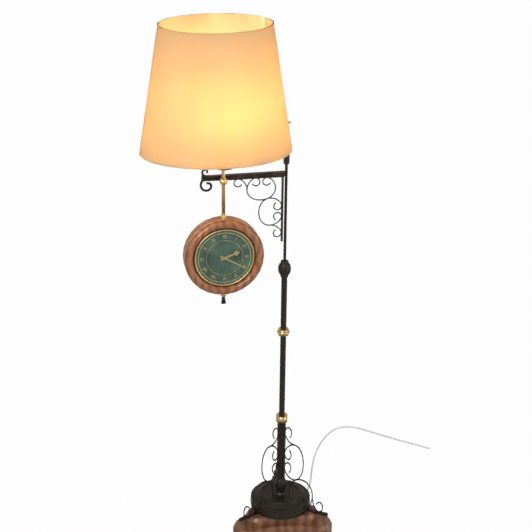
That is 2:20
